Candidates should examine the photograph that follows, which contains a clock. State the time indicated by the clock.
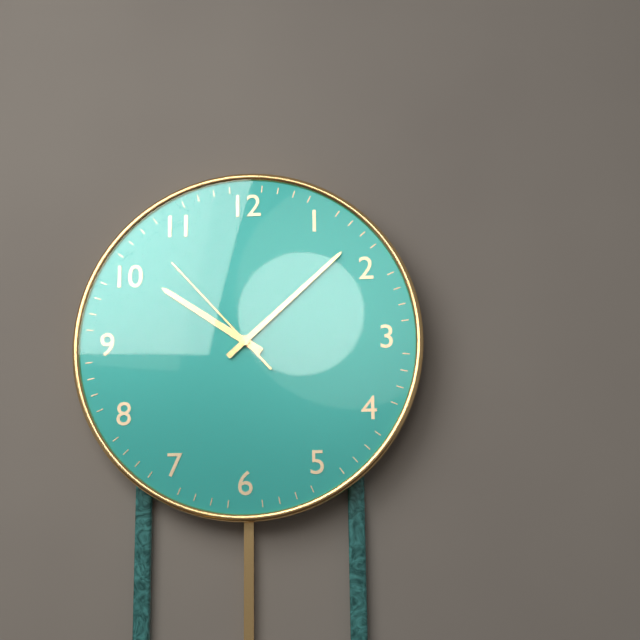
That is 10:08:53
